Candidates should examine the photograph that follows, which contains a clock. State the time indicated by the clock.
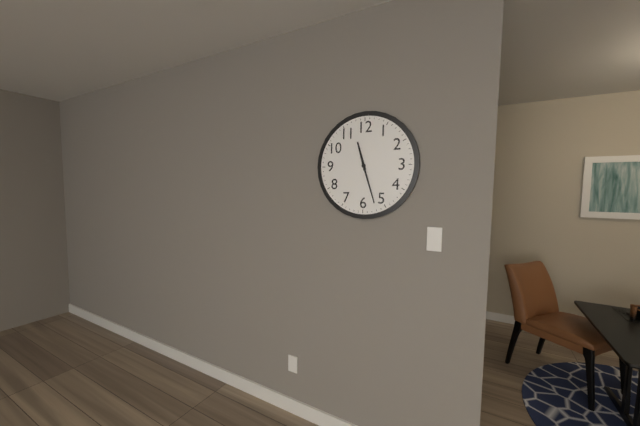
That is 11:27
